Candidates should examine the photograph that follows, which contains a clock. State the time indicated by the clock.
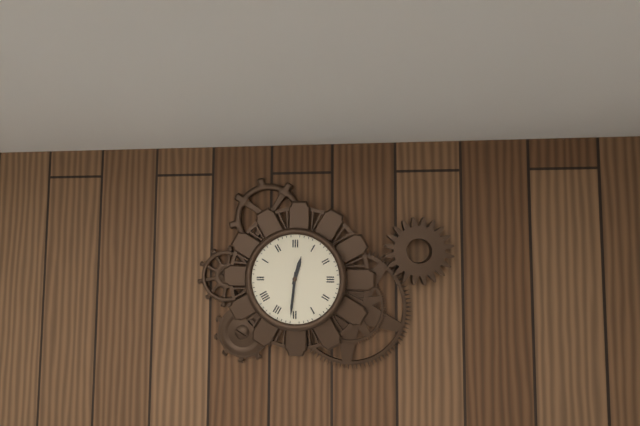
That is 12:31
